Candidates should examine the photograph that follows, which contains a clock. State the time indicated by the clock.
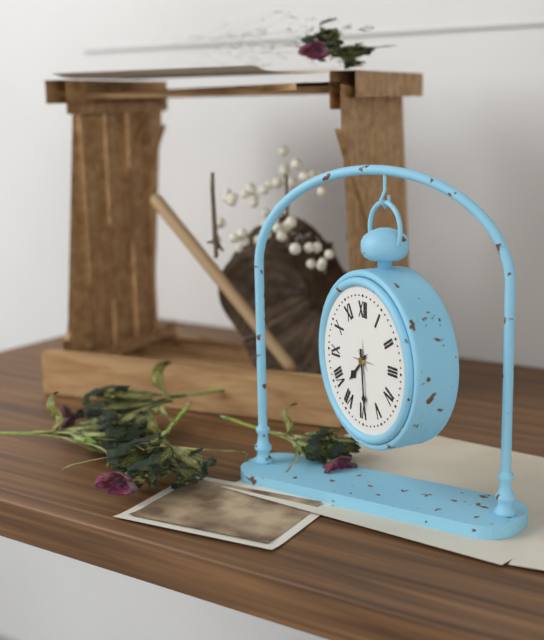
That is 7:29
